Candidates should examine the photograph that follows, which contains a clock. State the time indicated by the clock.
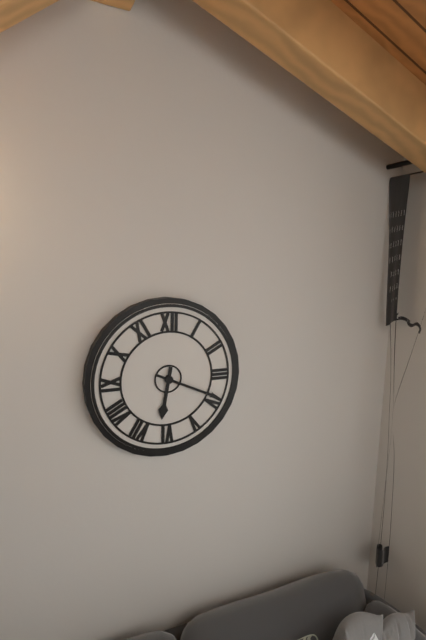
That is 6:19
